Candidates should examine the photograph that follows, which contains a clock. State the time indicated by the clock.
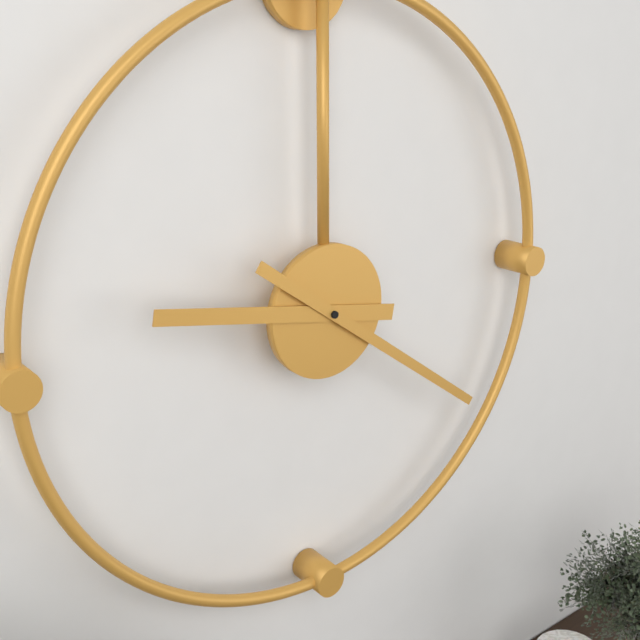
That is 9:21
